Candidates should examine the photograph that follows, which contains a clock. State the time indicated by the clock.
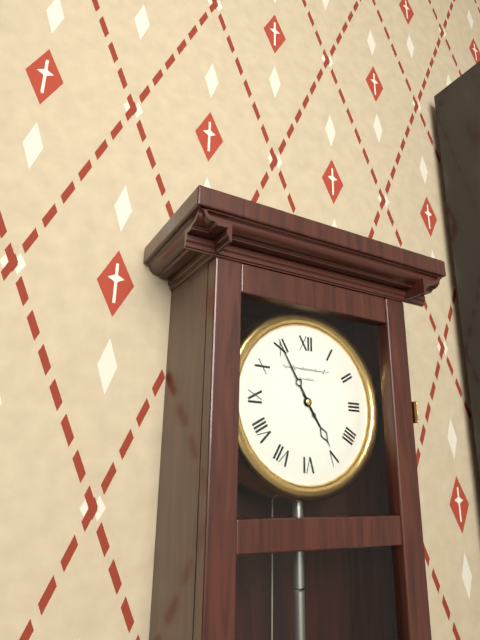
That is 4:55
